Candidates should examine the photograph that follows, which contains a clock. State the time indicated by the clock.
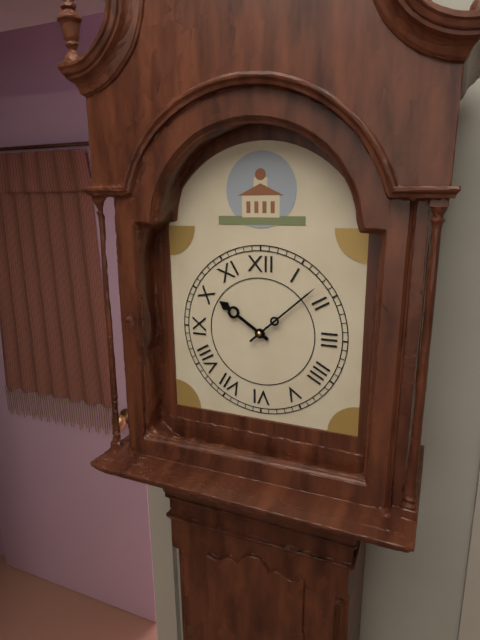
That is 10:08
